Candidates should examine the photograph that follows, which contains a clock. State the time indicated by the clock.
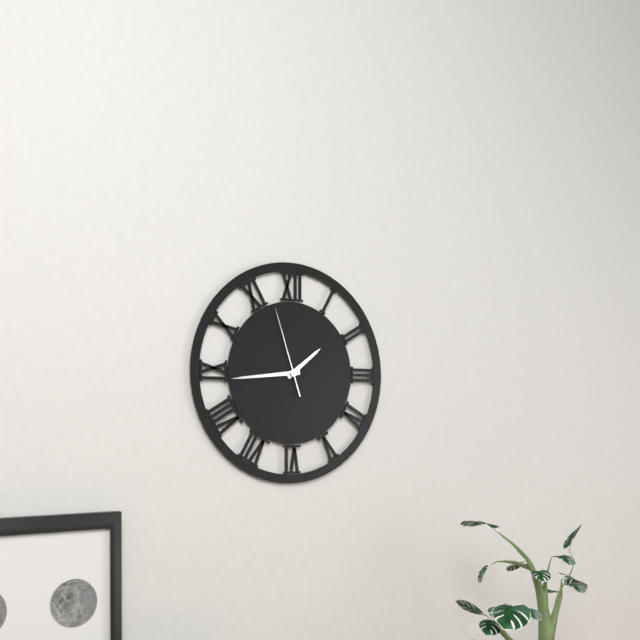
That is 1:44:57
